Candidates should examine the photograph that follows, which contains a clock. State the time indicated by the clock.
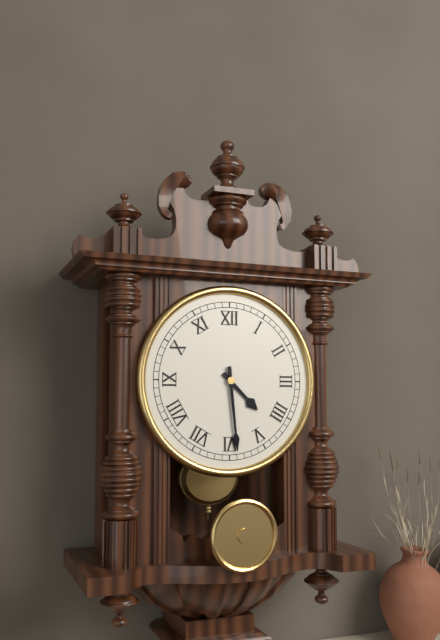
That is 4:29
